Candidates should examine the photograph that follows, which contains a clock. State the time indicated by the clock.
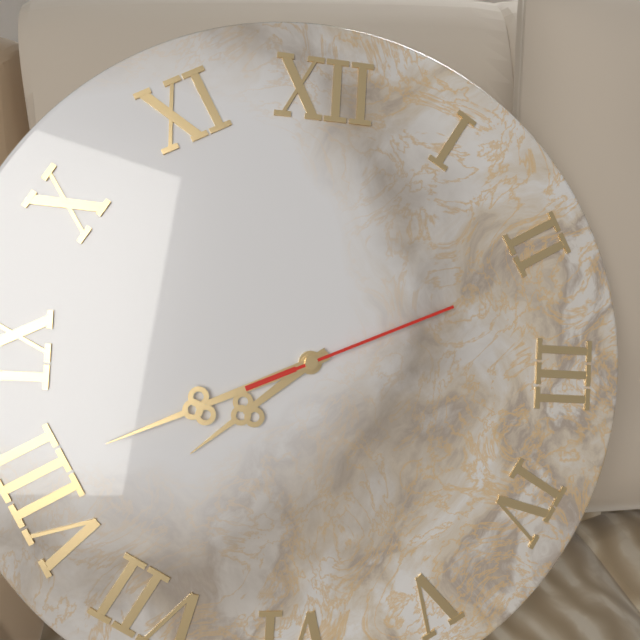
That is 7:41:11
